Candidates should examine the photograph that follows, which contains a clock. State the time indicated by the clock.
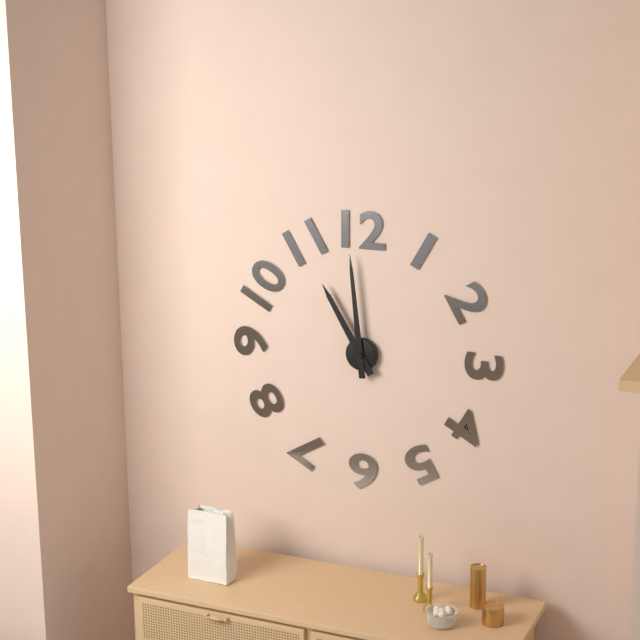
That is 10:59
